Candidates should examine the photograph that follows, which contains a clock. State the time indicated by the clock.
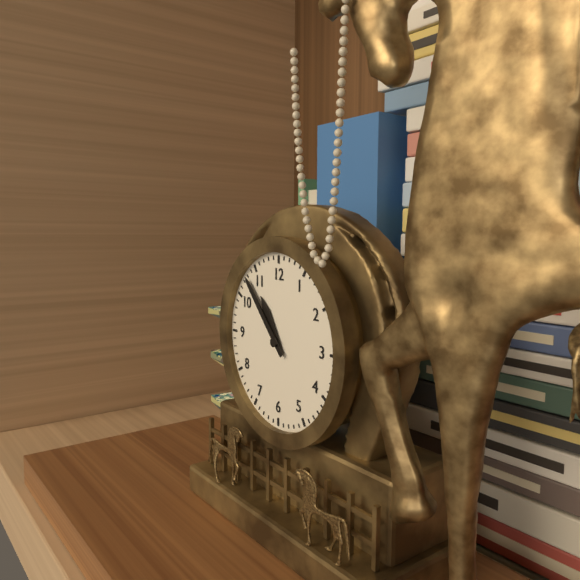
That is 10:53
